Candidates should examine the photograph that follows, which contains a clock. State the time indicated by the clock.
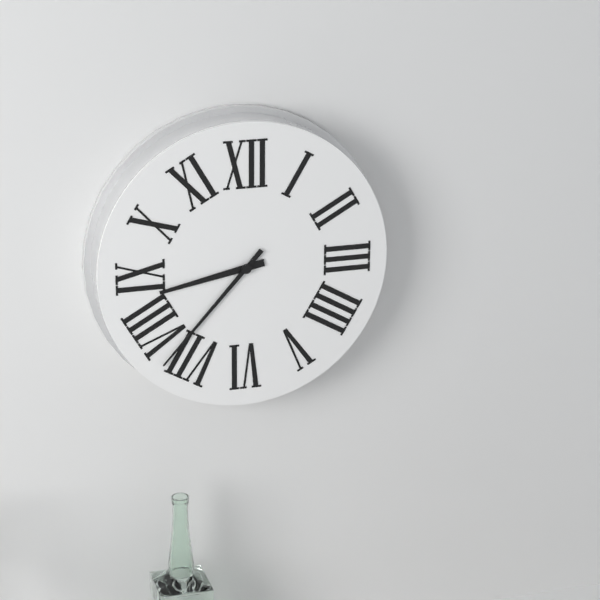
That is 8:37
